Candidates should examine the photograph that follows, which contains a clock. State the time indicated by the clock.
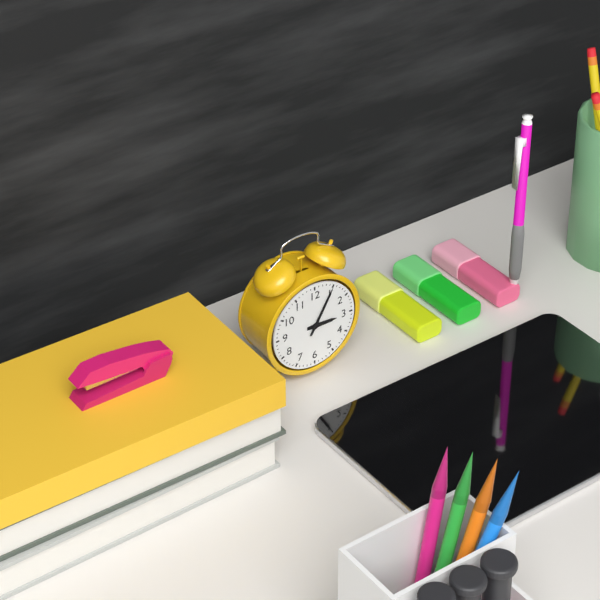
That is 3:05
